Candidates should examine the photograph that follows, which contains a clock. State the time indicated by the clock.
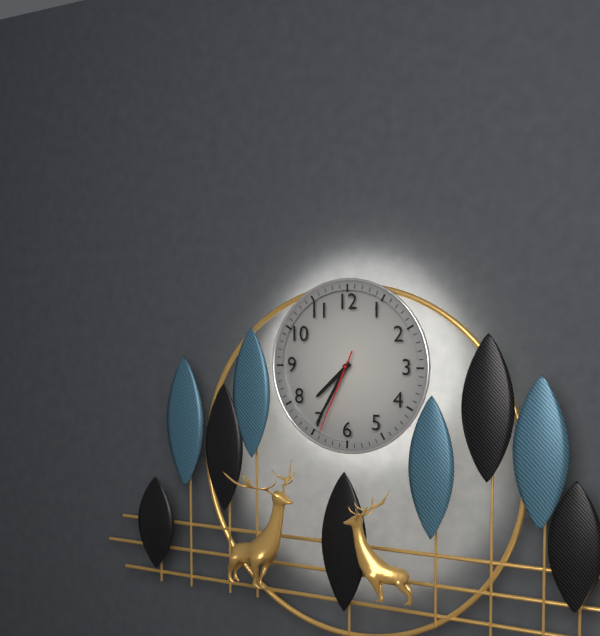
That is 7:35:34
